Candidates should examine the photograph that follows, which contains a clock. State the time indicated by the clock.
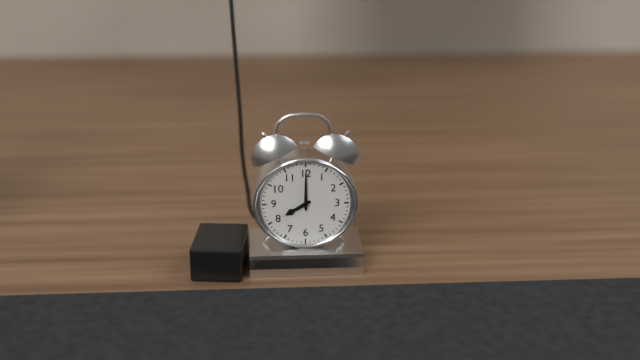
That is 8:00
